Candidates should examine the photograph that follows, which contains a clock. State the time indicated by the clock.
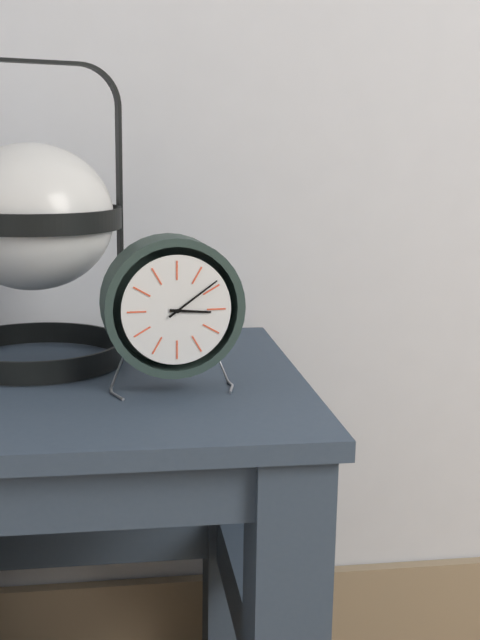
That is 3:09
